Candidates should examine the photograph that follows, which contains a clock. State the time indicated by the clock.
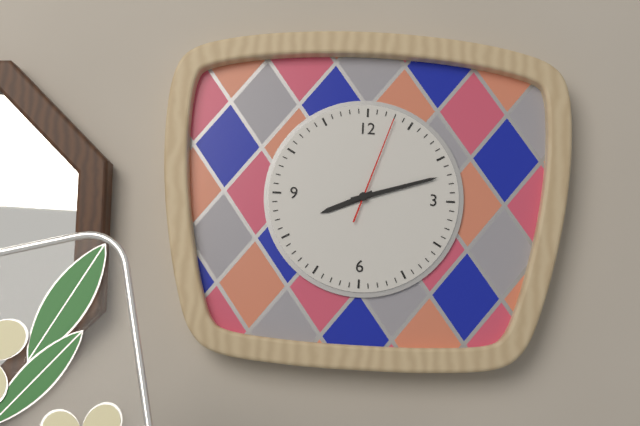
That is 8:12:03
